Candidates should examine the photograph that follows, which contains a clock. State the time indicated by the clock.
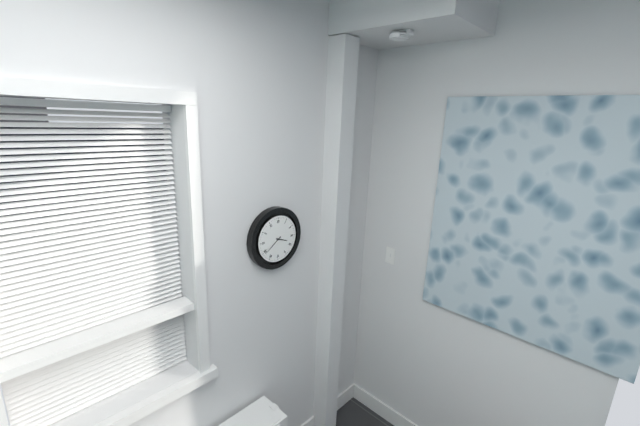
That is 3:39
